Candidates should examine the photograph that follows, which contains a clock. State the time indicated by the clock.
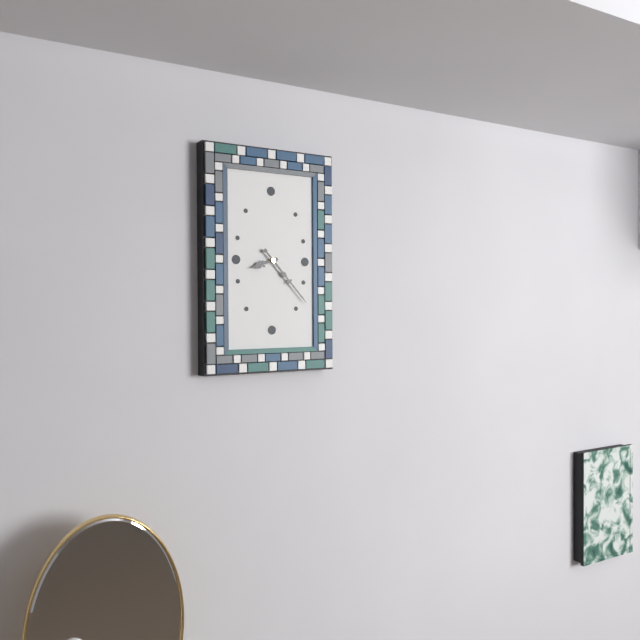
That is 8:23
